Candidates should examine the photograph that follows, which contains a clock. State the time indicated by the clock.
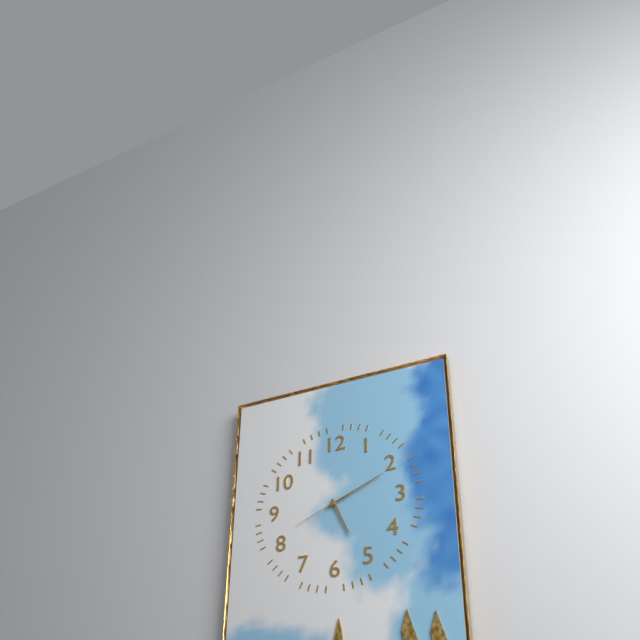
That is 5:11:41
